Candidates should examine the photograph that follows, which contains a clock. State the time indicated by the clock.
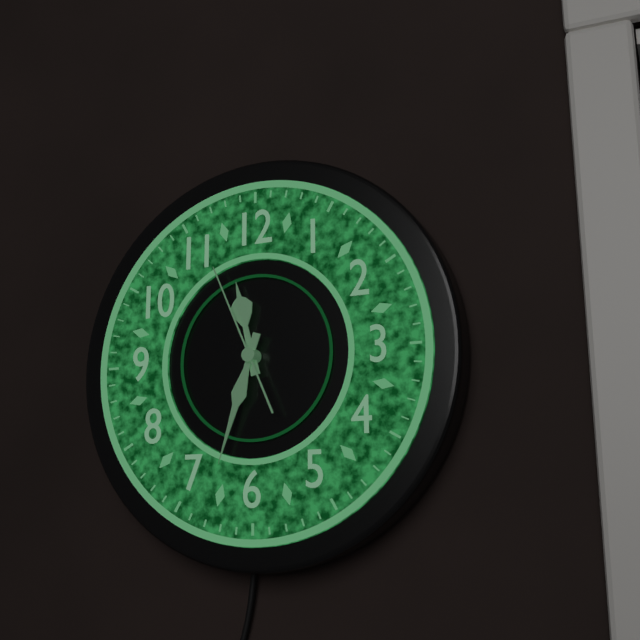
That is 11:33:56
